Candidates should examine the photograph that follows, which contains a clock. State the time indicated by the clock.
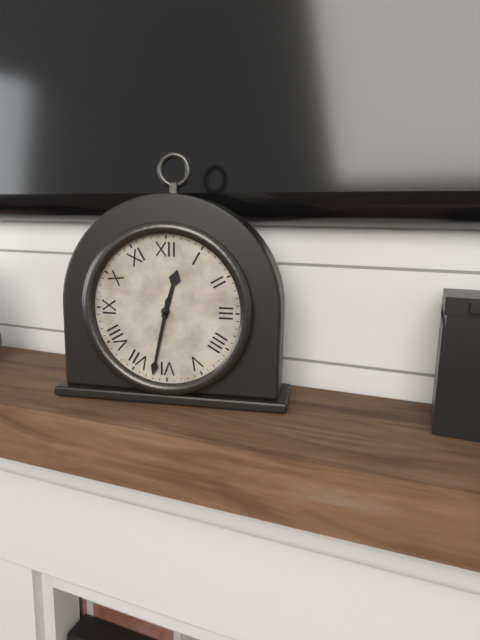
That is 12:32
